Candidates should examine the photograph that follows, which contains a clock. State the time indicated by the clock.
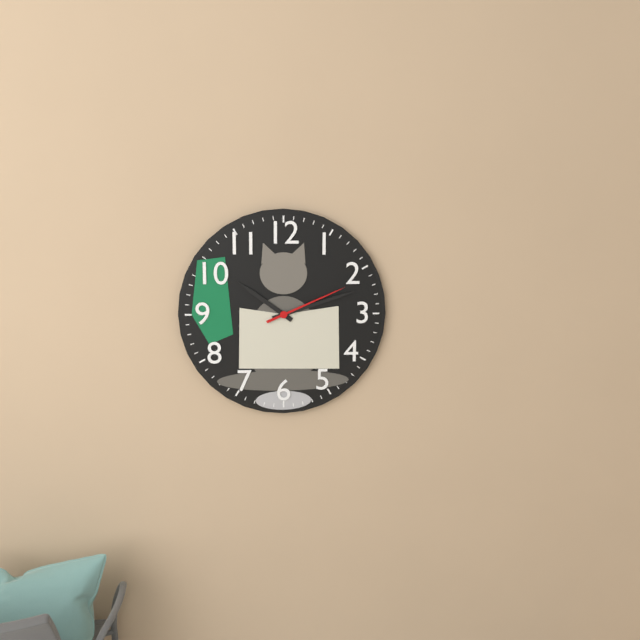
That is 10:12:11
